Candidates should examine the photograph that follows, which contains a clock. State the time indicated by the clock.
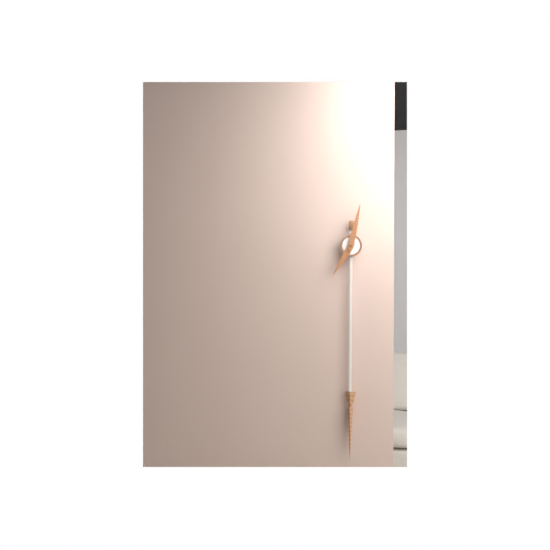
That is 7:02
